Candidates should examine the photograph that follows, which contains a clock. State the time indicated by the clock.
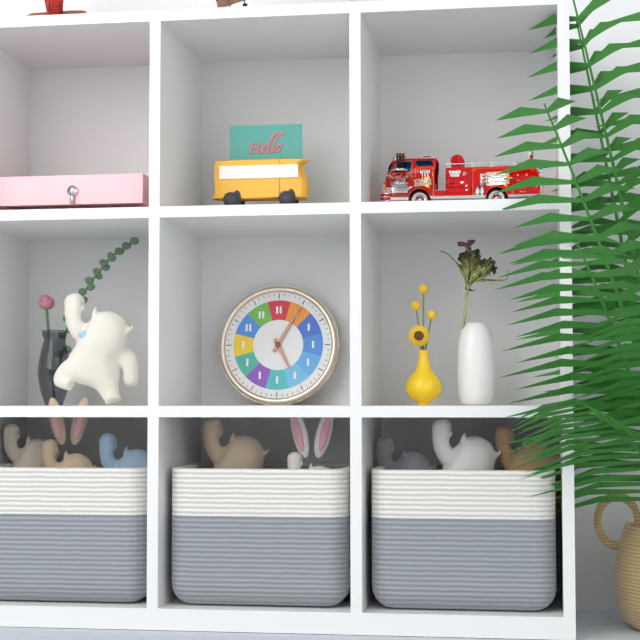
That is 5:05
